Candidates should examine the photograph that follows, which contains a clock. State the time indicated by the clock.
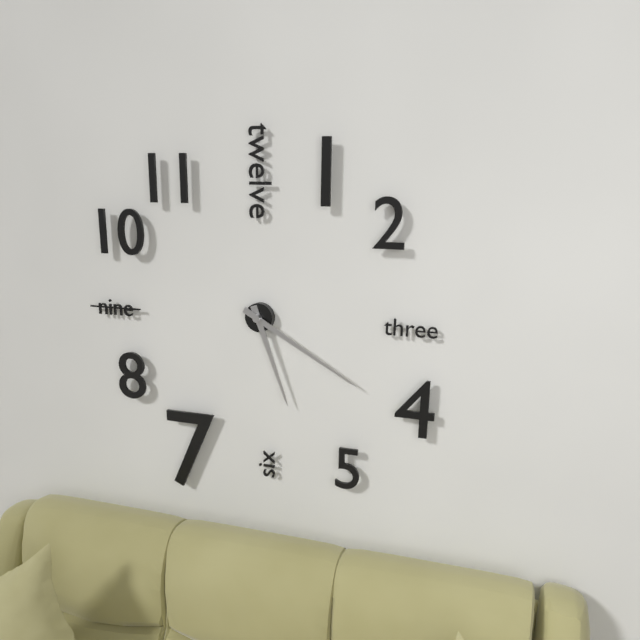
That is 5:20
